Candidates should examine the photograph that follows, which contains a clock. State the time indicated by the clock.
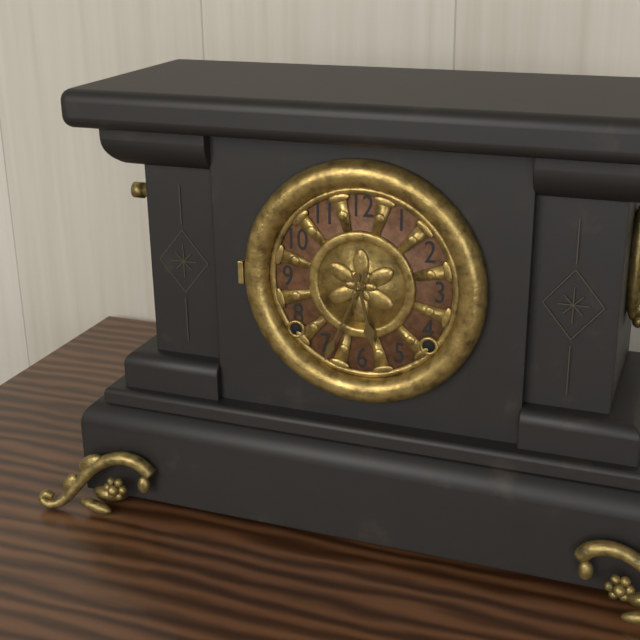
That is 5:34
